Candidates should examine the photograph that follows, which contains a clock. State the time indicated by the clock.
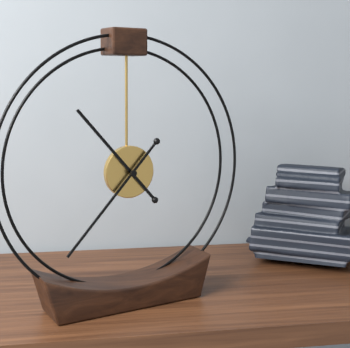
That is 10:37
